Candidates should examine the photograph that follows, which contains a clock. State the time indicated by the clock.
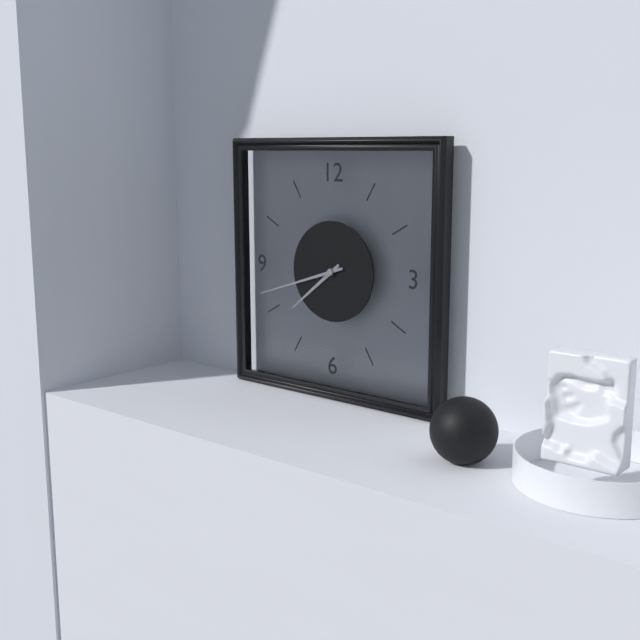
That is 7:42
